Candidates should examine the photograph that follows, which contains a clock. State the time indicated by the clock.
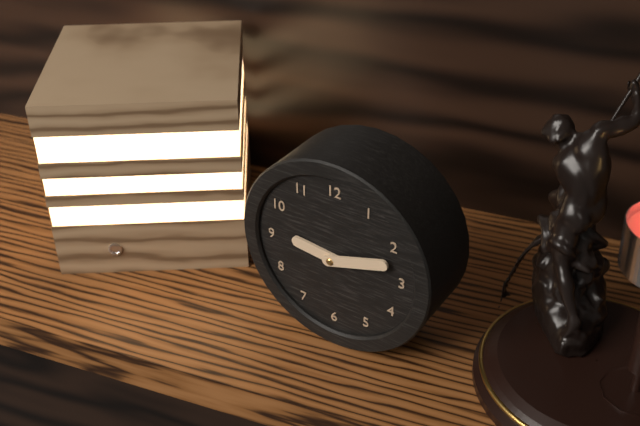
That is 9:12
